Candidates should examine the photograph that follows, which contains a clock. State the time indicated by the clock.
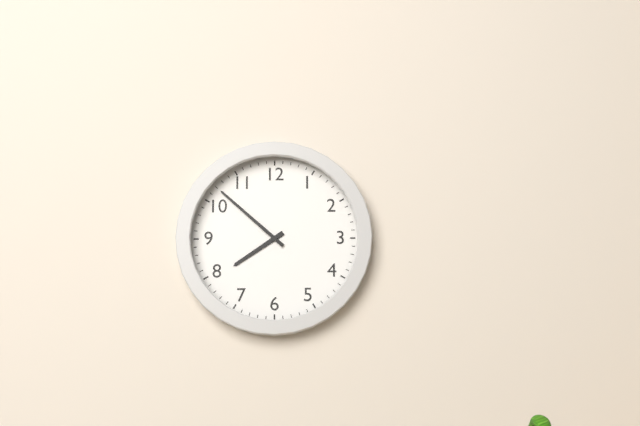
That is 7:52
